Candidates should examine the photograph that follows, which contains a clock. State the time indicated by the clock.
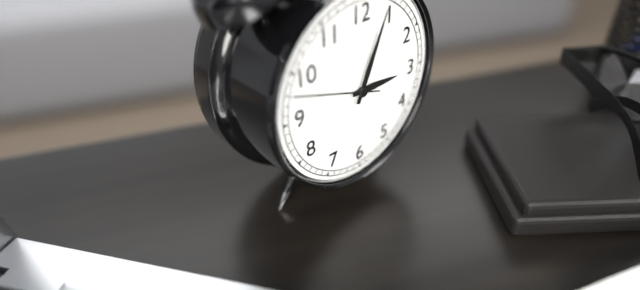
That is 3:04:48
